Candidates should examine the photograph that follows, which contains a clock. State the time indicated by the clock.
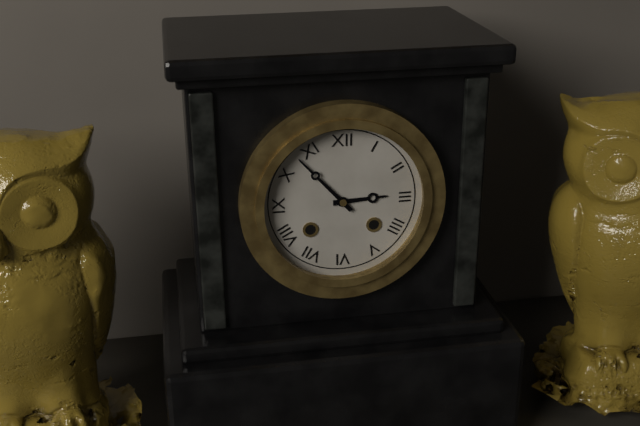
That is 2:53
